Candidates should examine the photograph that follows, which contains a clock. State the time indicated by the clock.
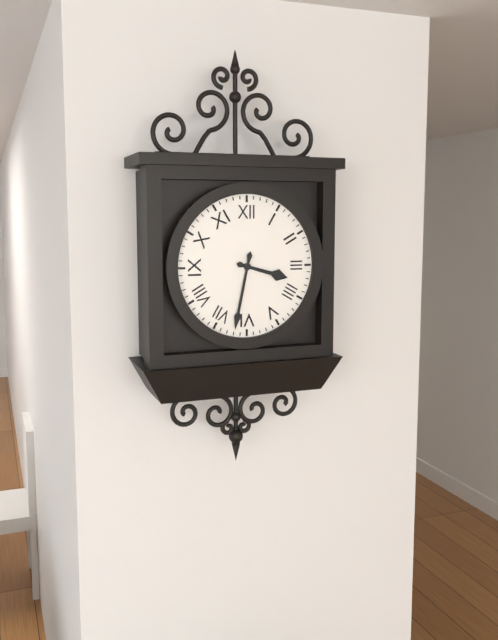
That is 3:32
